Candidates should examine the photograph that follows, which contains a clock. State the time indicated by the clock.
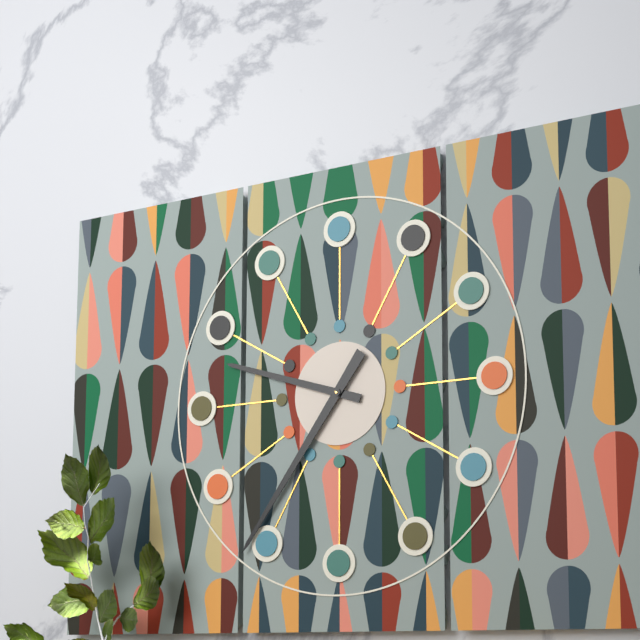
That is 9:36
